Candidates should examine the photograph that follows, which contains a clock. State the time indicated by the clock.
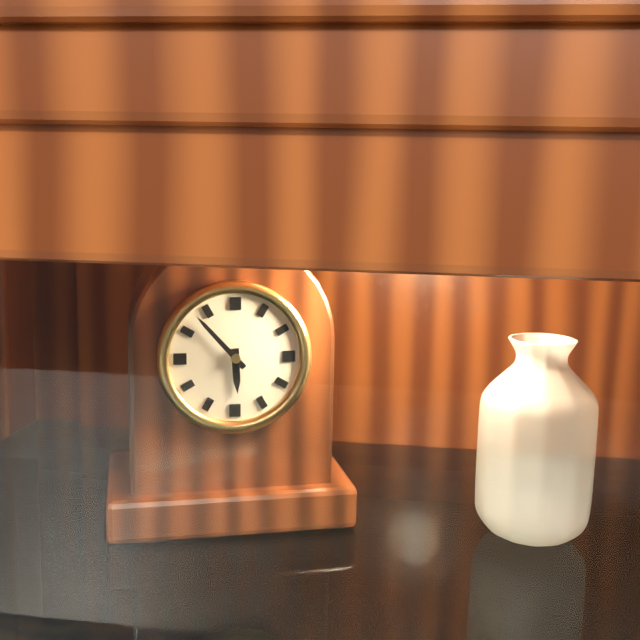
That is 5:53
